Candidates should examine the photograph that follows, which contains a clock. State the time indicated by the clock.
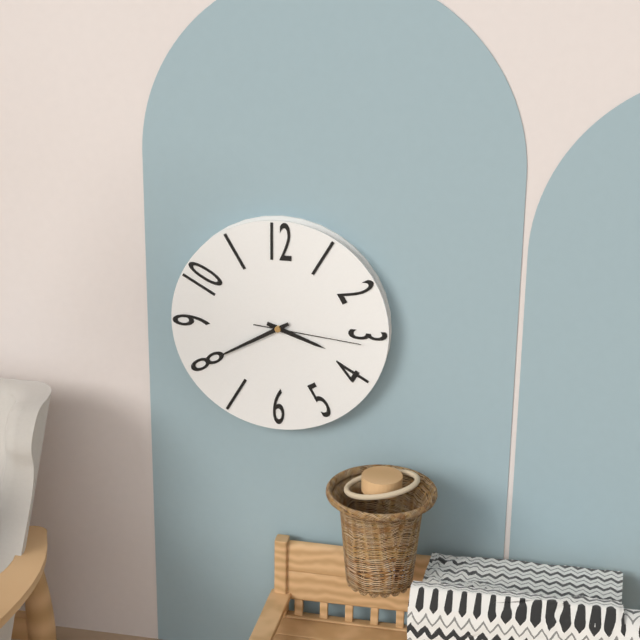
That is 3:40:16
